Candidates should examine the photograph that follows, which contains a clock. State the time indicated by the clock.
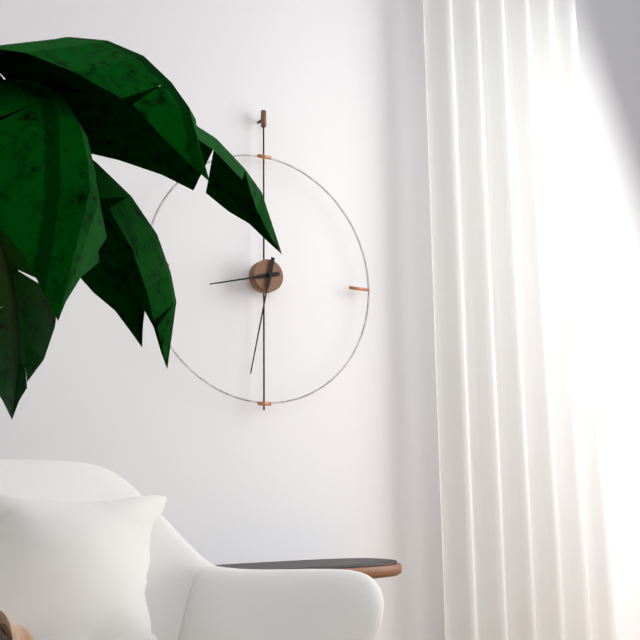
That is 8:32
